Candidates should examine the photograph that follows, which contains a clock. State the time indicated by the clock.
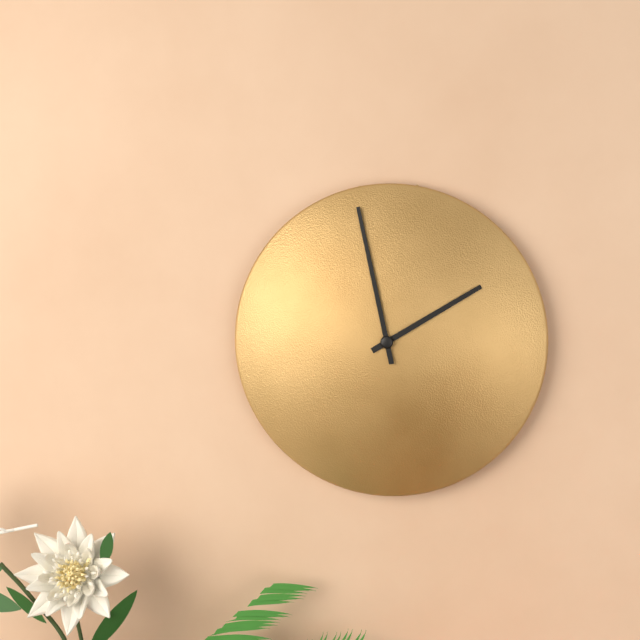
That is 1:58
